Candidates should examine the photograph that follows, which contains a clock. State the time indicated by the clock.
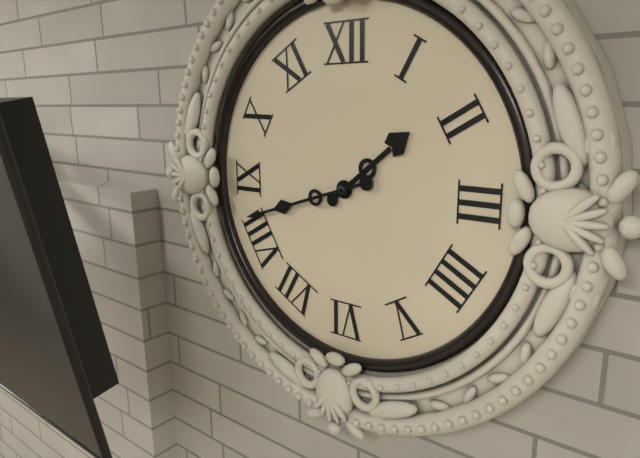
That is 1:42
